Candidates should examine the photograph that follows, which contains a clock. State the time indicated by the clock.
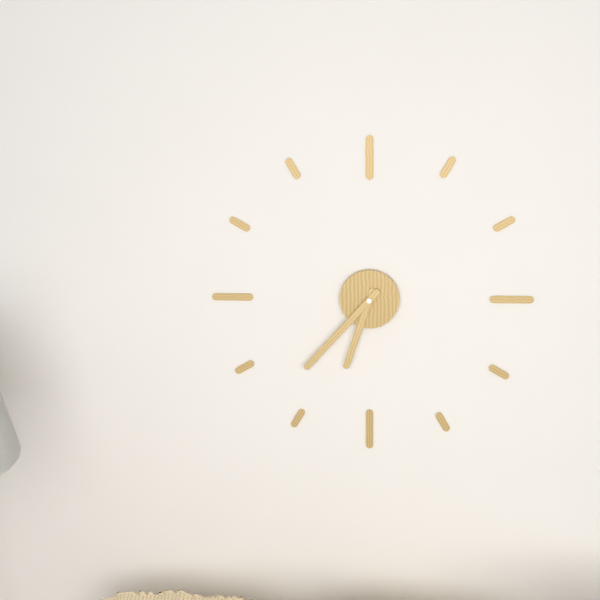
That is 6:37
